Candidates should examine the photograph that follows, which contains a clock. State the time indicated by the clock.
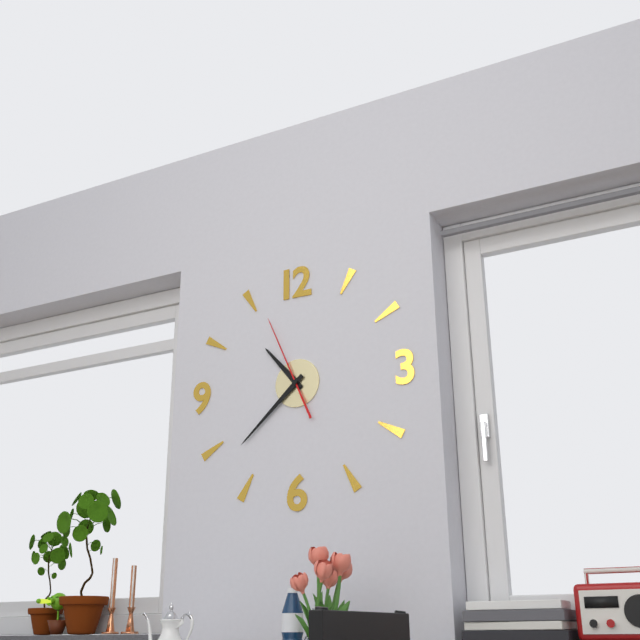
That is 10:38:56
